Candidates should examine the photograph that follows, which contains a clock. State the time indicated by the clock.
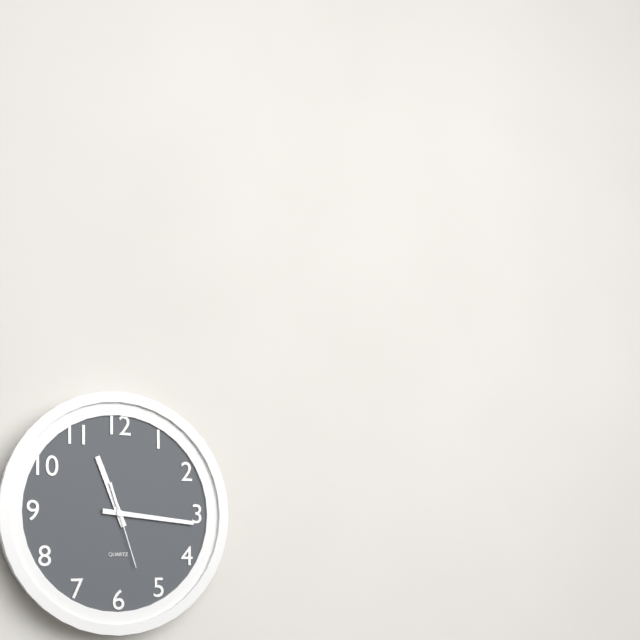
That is 11:16:27
